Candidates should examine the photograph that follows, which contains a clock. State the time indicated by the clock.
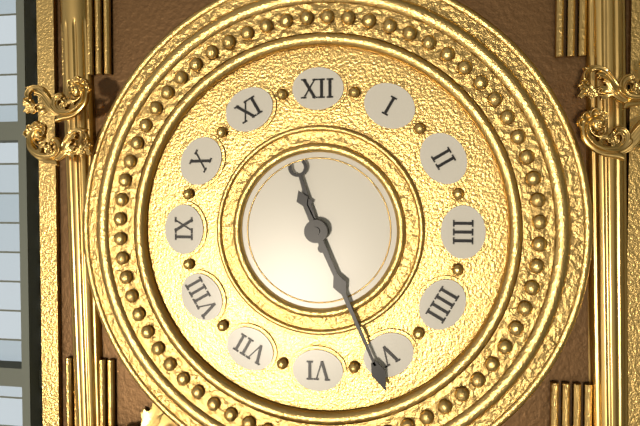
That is 11:26
